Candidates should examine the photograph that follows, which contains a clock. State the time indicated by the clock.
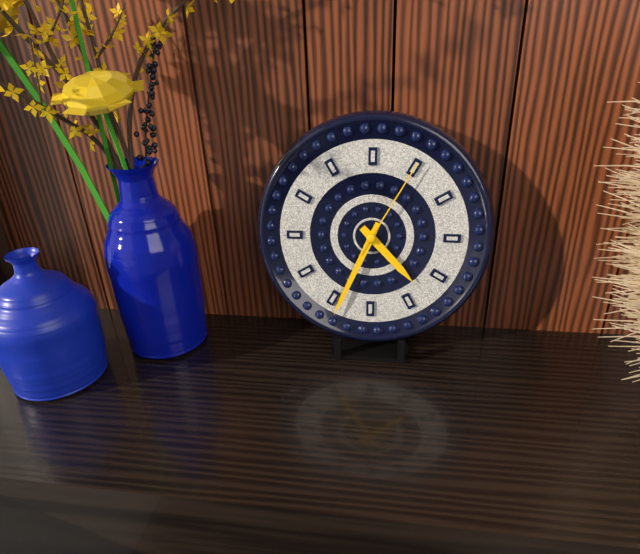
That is 4:34:05
